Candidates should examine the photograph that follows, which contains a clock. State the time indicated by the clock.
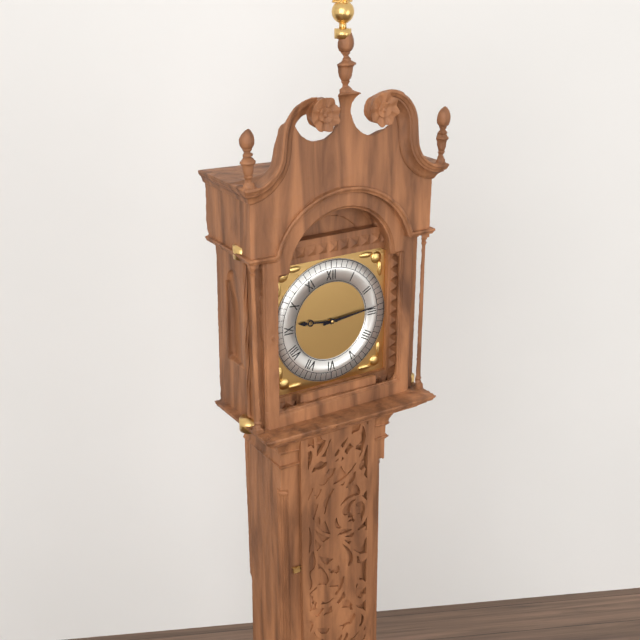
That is 9:14
